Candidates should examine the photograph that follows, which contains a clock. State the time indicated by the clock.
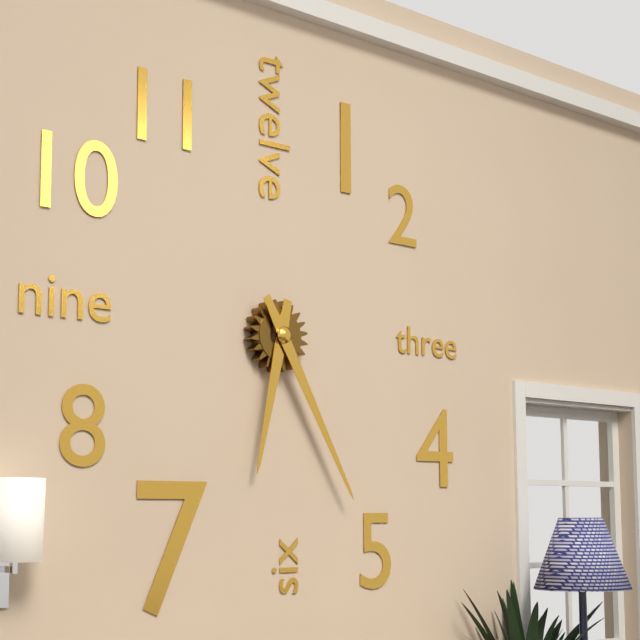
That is 6:25
